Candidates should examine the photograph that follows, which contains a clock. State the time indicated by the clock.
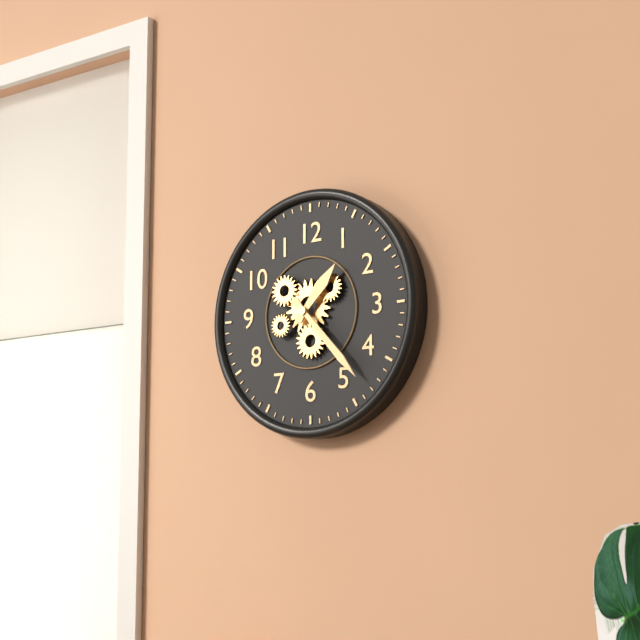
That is 1:23
